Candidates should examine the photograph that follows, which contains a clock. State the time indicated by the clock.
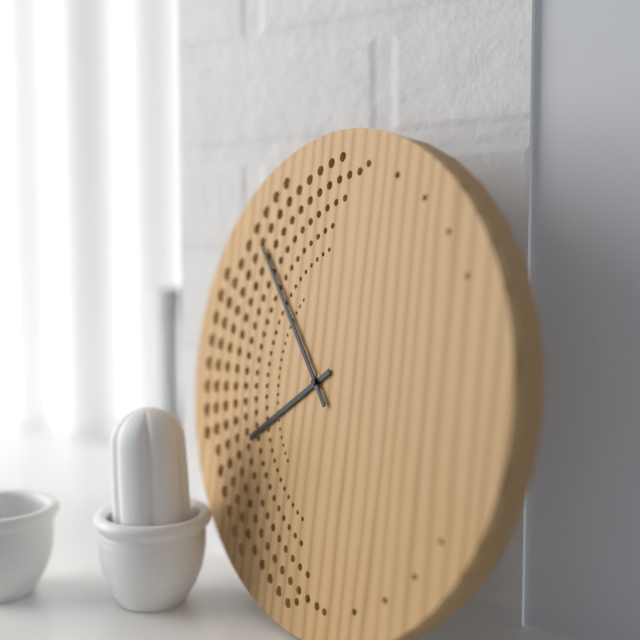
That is 7:53
